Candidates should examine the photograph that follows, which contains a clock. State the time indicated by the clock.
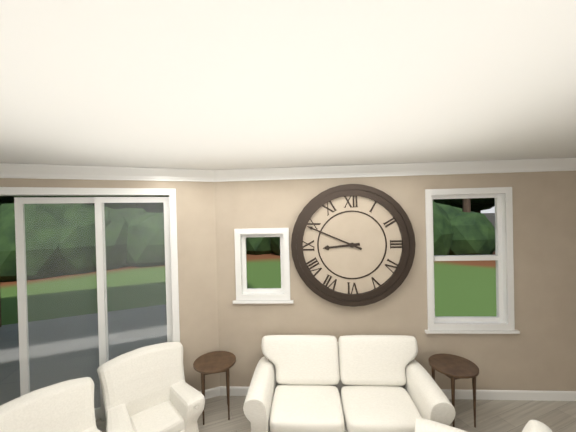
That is 8:49
